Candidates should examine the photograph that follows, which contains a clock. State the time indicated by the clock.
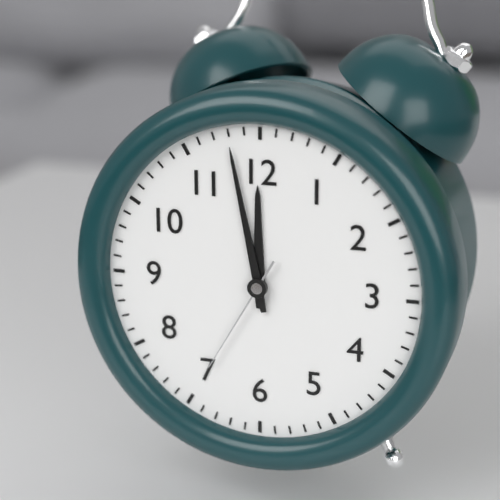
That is 11:58:35
